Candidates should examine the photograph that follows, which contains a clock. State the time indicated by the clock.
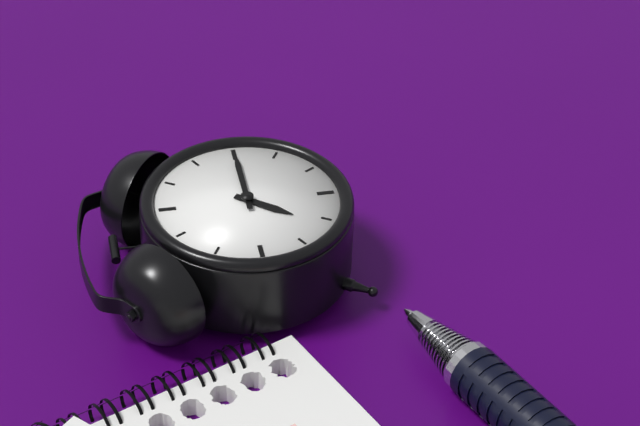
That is 7:15
